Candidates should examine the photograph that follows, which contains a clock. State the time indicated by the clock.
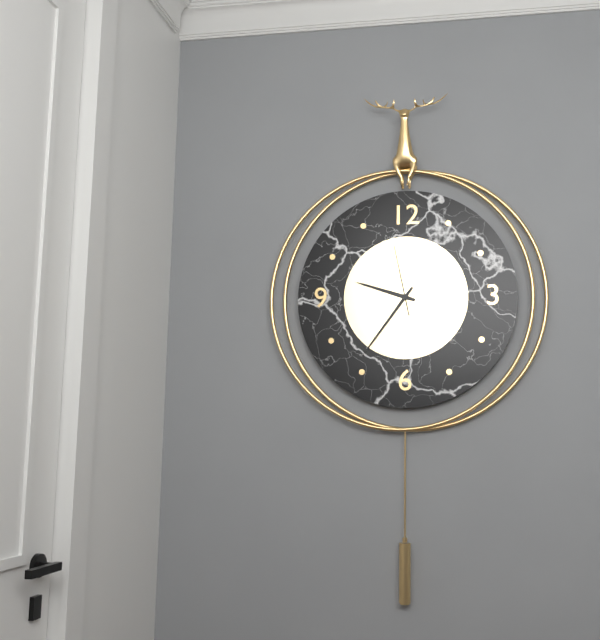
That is 9:36:58
